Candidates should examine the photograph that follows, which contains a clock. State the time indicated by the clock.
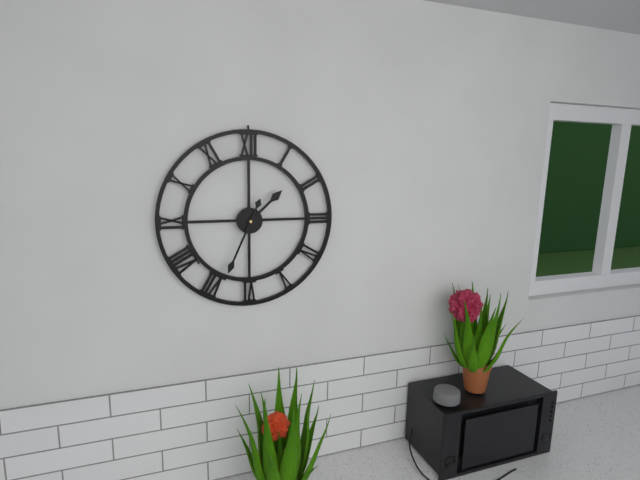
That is 1:34
